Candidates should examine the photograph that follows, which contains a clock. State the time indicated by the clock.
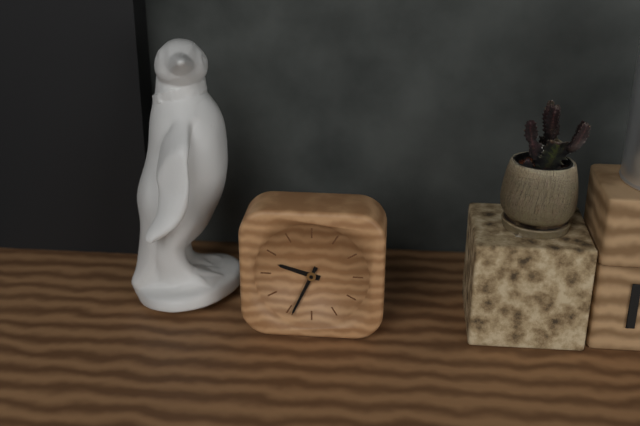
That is 9:34
